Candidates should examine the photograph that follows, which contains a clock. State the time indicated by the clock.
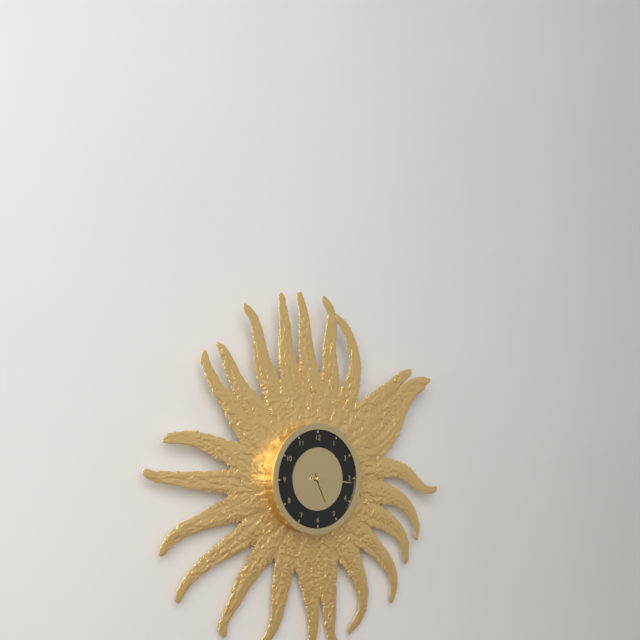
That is 5:16
